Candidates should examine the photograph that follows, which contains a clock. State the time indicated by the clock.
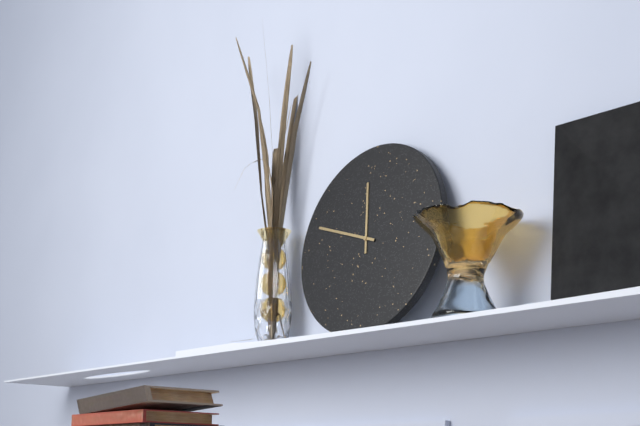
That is 11:48
